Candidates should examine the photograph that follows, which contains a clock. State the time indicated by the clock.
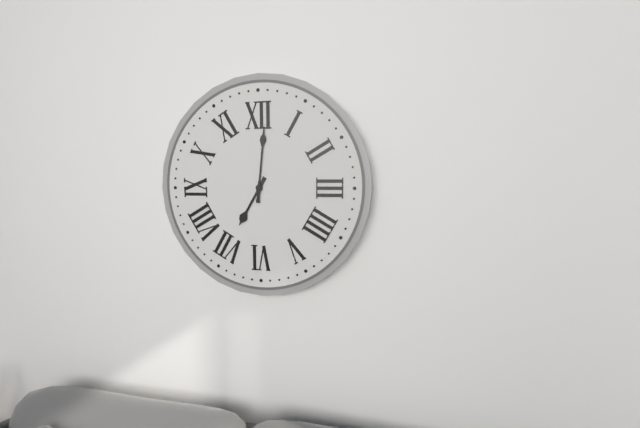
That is 7:01
